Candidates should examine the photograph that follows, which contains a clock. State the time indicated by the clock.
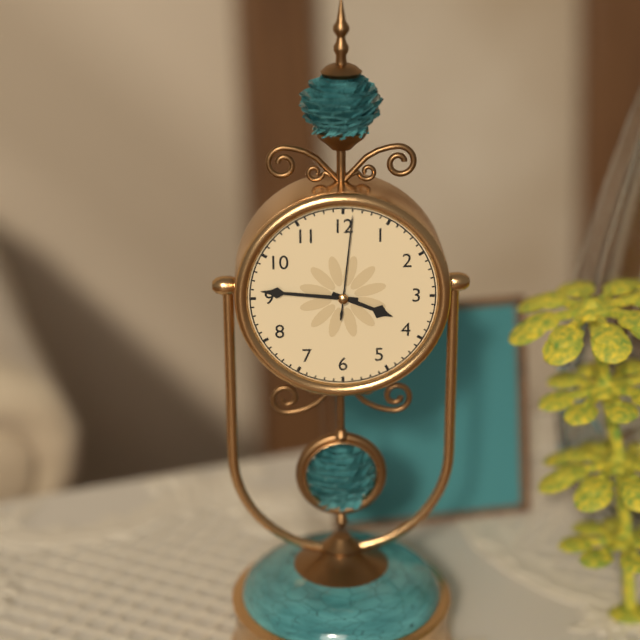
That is 3:46:01
